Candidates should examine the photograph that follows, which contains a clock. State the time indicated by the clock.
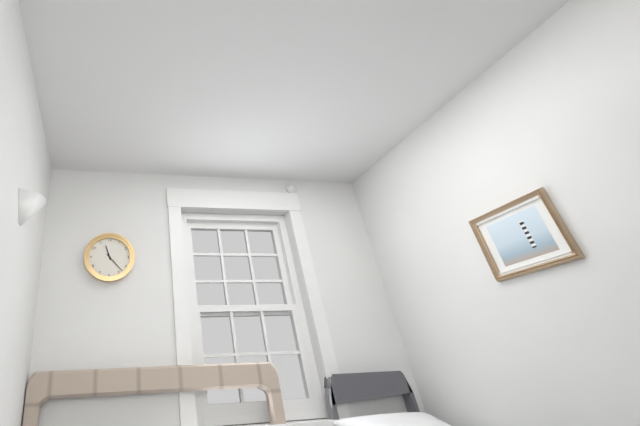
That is 11:23
